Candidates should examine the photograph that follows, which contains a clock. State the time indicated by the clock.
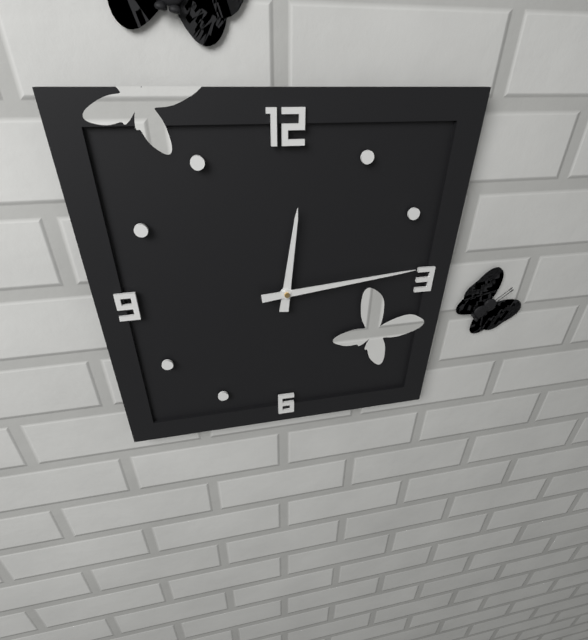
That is 12:14
